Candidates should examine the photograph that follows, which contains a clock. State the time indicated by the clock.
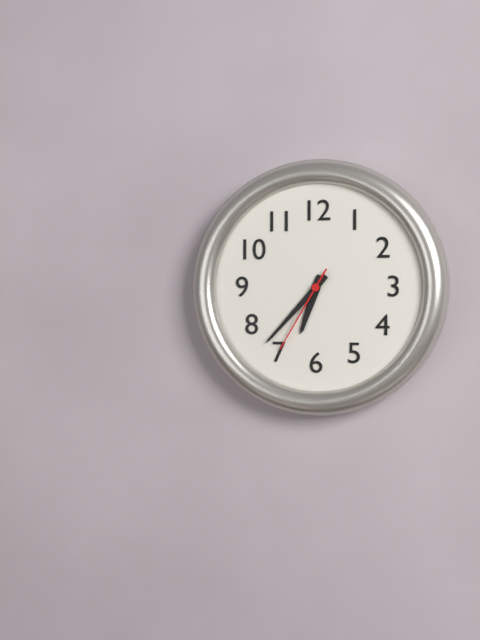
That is 6:37:35
